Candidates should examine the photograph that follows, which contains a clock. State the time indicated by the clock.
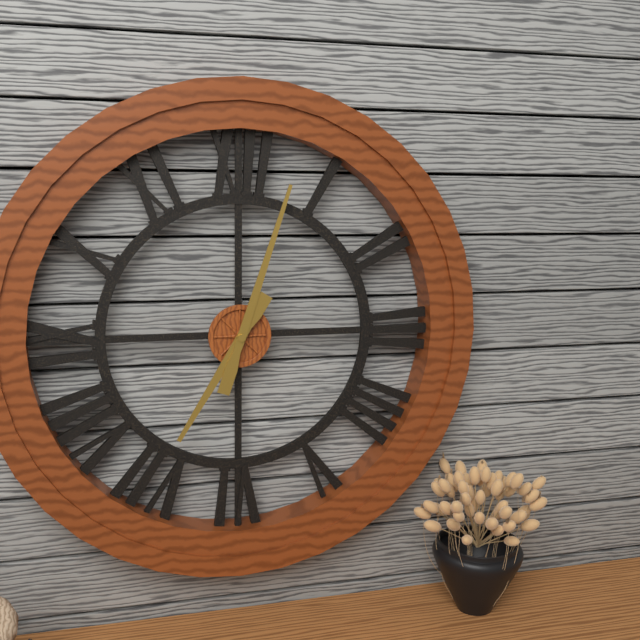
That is 7:03
